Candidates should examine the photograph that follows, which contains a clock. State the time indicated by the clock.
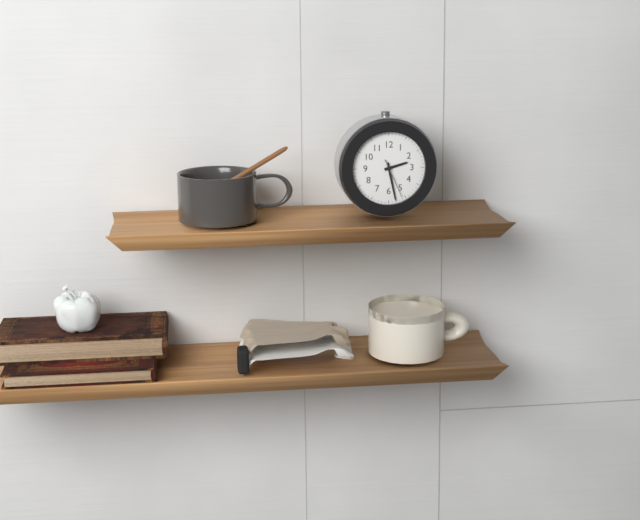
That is 2:28
